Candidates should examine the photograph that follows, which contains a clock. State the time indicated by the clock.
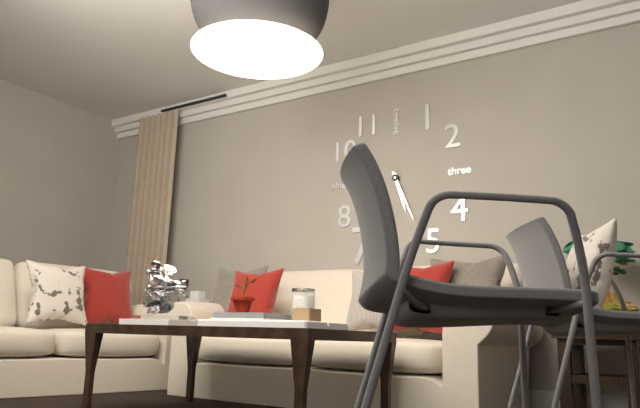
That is 5:26
